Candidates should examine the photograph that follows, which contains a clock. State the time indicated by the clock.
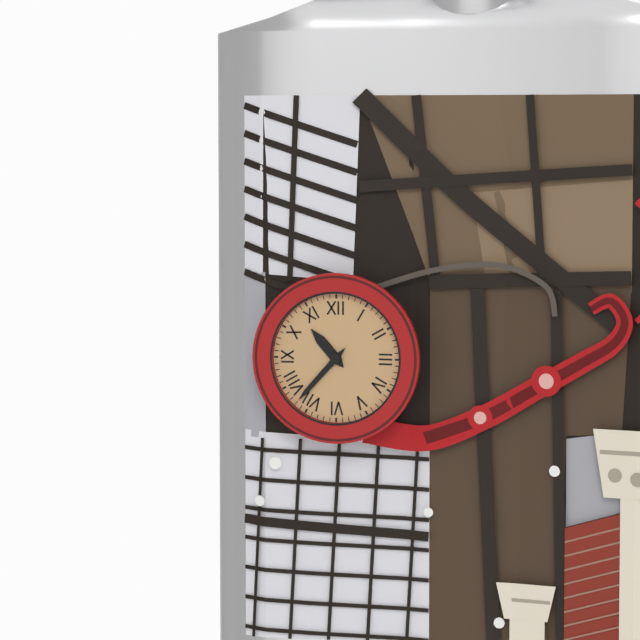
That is 10:37
